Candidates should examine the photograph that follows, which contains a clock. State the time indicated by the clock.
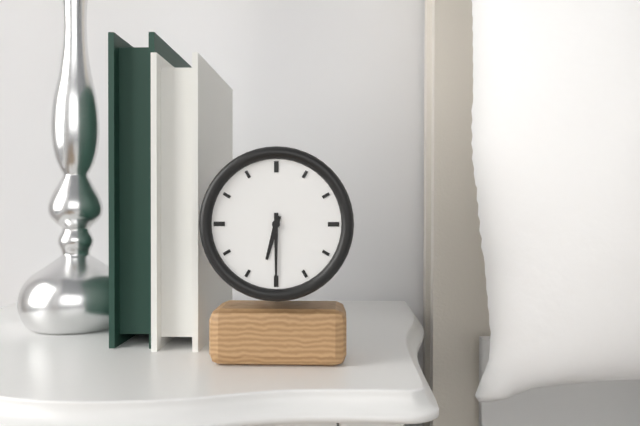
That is 6:30
